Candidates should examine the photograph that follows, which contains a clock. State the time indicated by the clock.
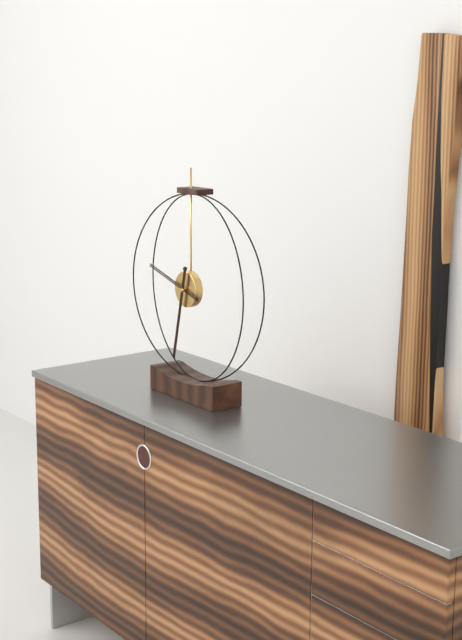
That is 9:32
